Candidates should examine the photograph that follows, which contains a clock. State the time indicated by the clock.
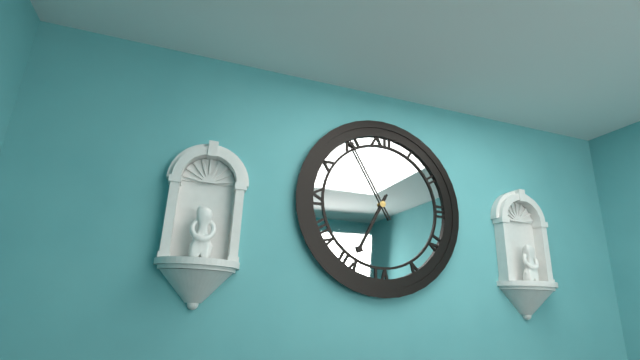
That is 6:55
